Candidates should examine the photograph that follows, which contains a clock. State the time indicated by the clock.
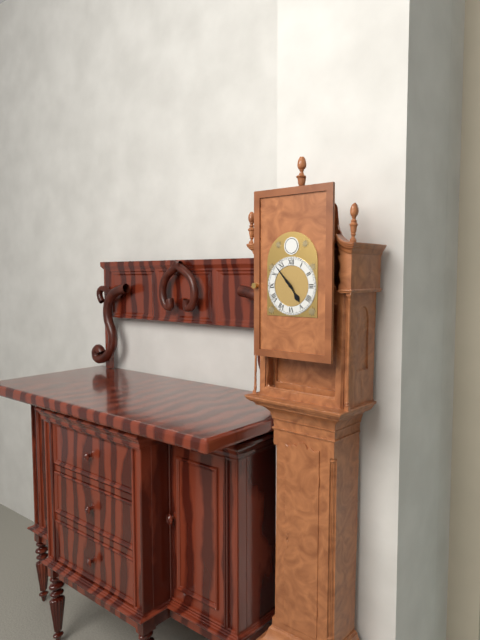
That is 4:53
